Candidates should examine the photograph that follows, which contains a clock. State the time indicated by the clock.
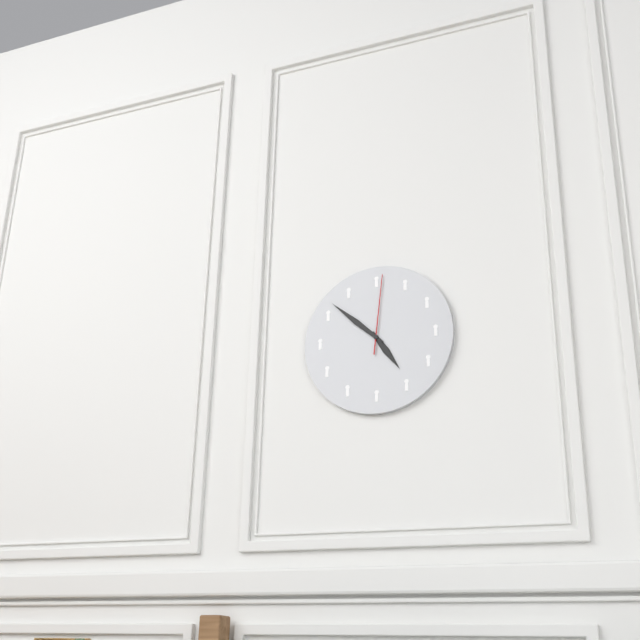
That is 4:52:01
